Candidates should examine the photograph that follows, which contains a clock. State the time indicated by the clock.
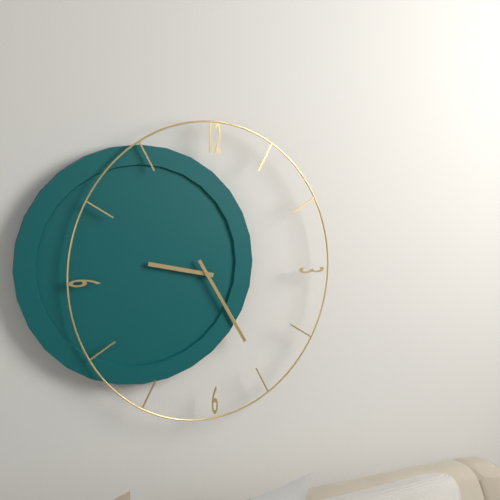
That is 9:25
